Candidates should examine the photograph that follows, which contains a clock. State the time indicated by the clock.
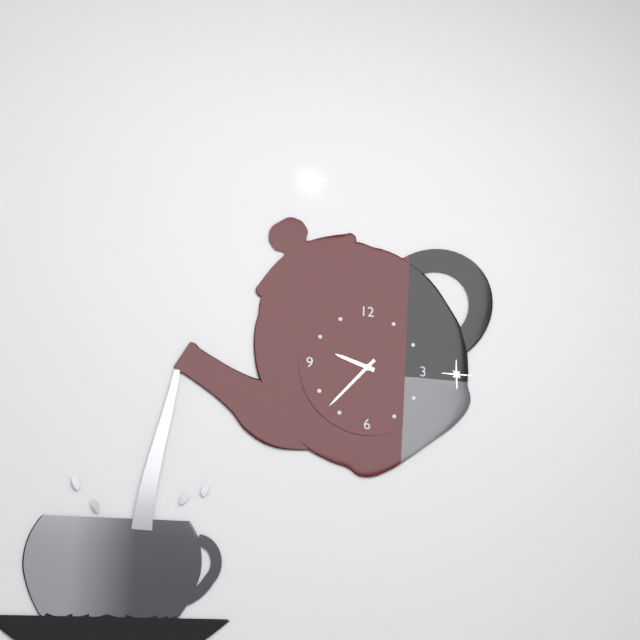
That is 9:37
